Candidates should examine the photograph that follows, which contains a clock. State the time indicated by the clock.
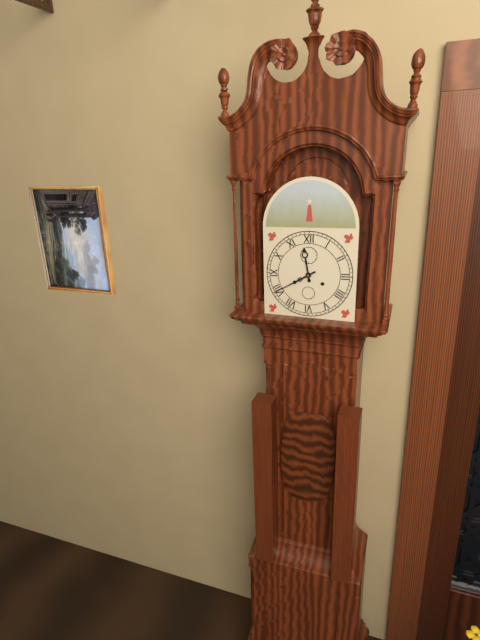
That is 11:40
